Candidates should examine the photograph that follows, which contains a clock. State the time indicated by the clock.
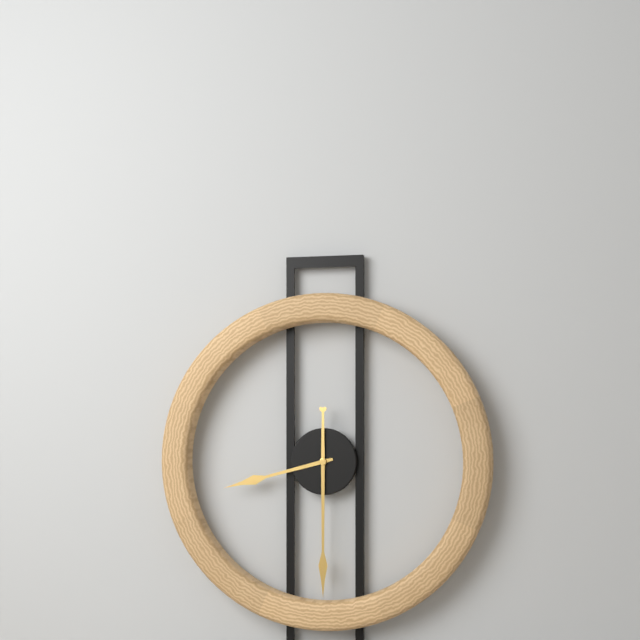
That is 8:30
